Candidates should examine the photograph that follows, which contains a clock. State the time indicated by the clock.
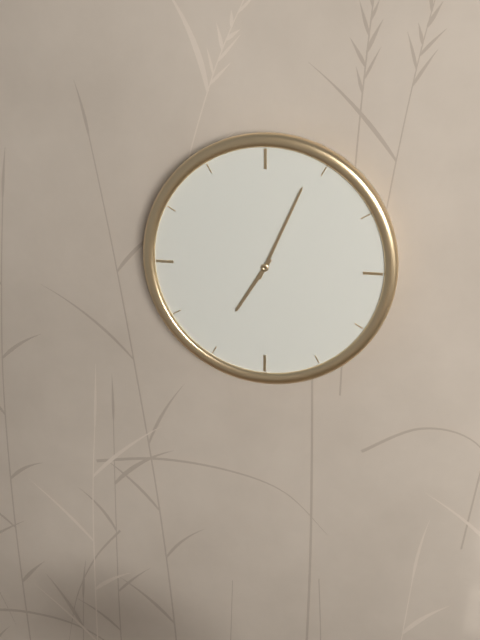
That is 7:04
